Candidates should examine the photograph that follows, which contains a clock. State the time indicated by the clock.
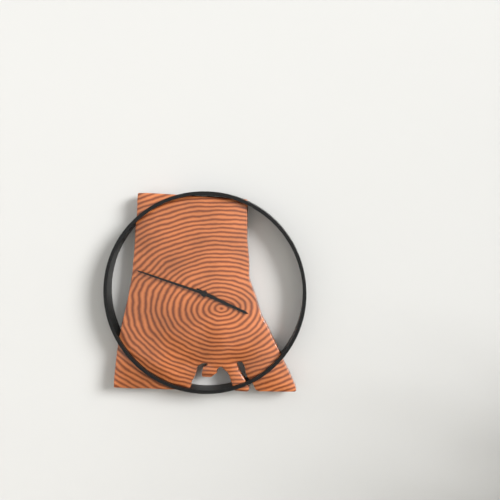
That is 3:48
